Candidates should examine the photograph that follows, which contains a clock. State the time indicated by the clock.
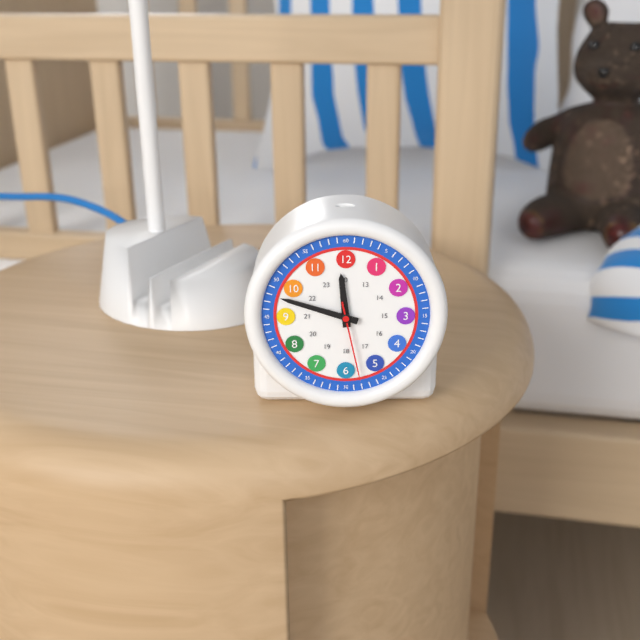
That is 11:48:28
